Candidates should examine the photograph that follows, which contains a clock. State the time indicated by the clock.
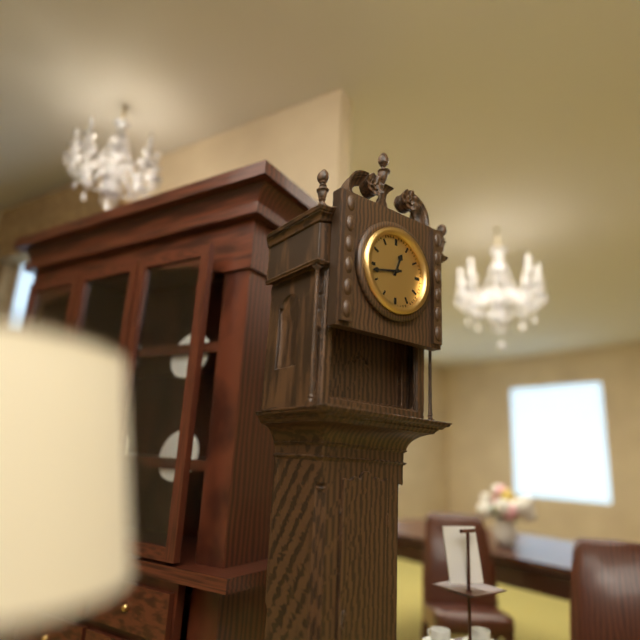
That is 12:43
